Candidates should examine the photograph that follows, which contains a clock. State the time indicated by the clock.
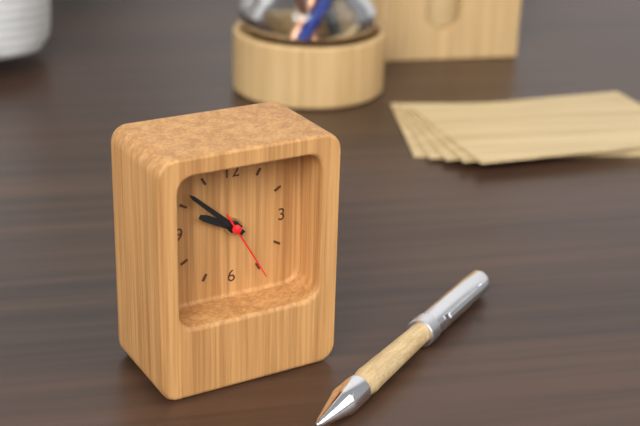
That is 9:52:25
